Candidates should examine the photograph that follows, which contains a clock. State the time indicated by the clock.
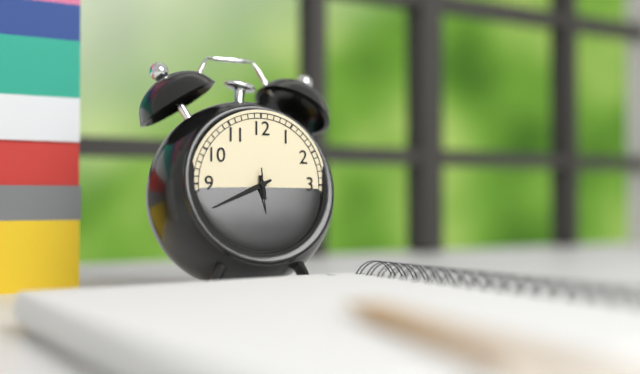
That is 5:41
